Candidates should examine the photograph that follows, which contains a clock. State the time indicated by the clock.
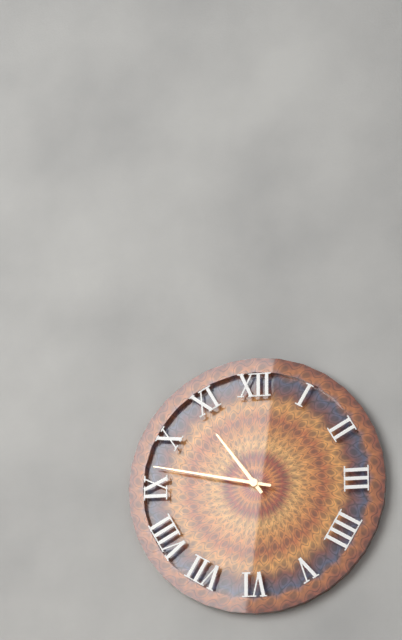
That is 10:47
